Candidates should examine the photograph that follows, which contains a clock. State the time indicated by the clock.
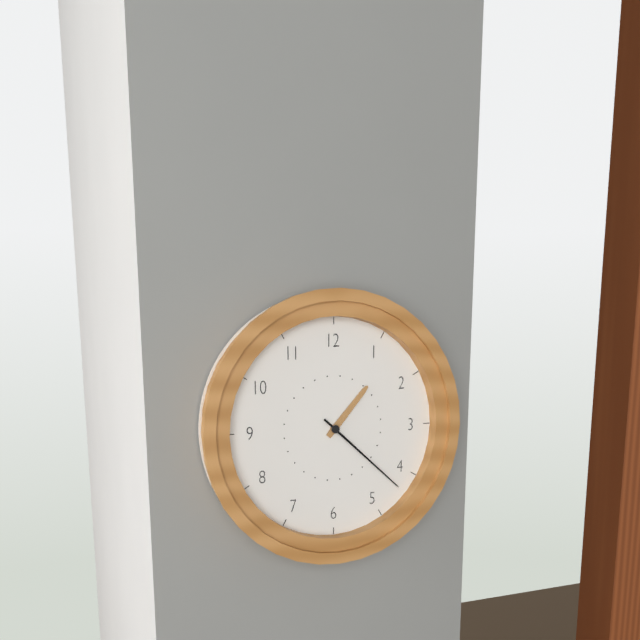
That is 1:22
